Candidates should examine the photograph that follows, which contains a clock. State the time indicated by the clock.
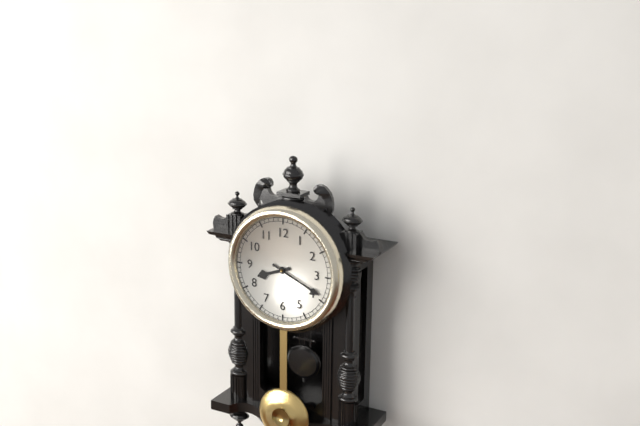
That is 8:19
